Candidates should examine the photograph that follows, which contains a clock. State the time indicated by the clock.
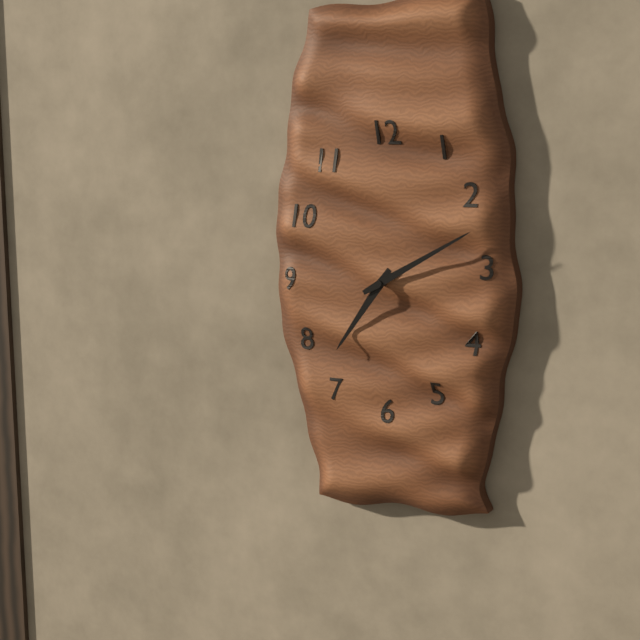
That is 7:10
